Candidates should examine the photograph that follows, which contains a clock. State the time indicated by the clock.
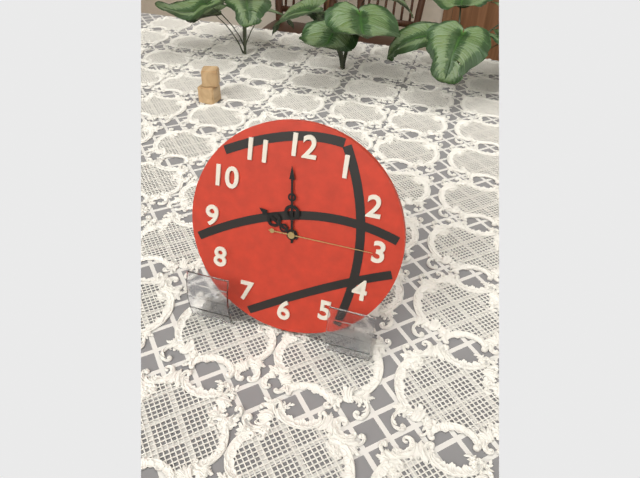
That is 9:59:15
